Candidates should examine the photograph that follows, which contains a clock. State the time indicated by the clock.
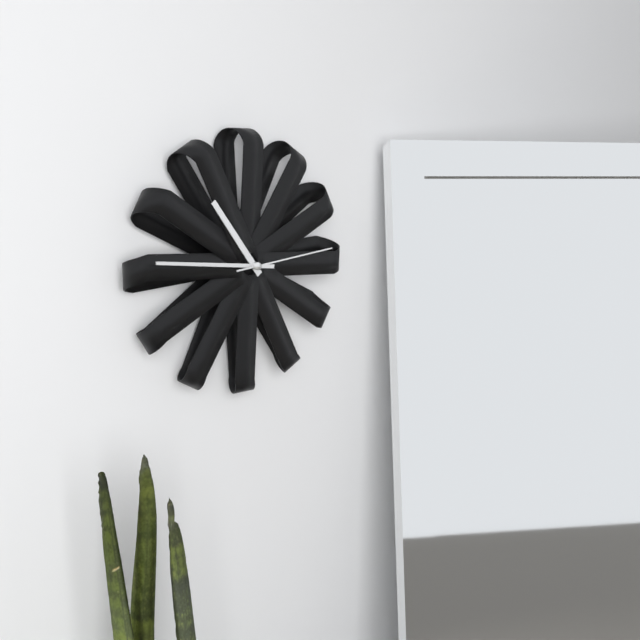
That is 10:46:14
